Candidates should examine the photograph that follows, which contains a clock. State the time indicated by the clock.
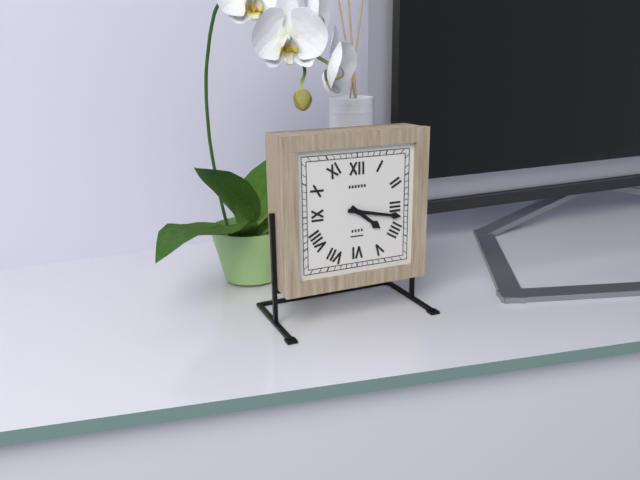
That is 4:17
